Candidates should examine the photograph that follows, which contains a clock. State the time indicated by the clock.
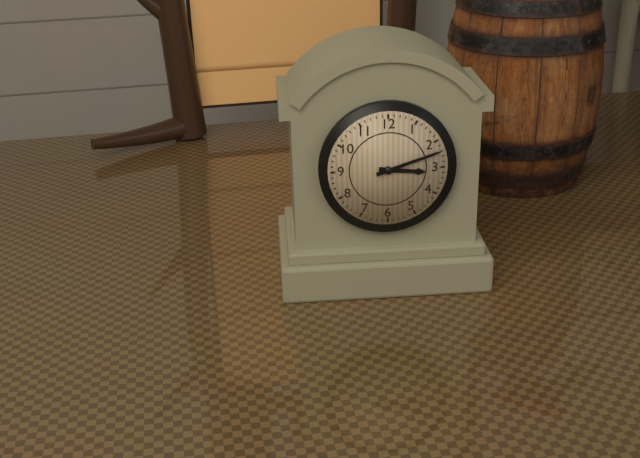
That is 3:12
